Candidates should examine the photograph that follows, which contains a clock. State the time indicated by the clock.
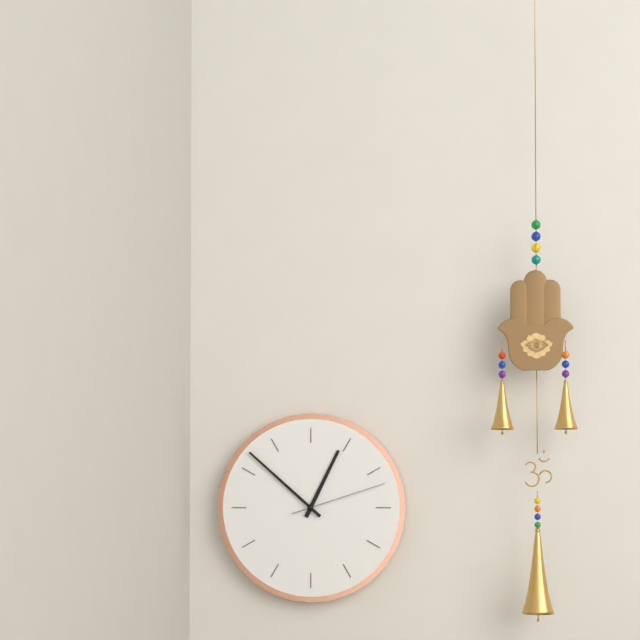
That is 12:52:12
